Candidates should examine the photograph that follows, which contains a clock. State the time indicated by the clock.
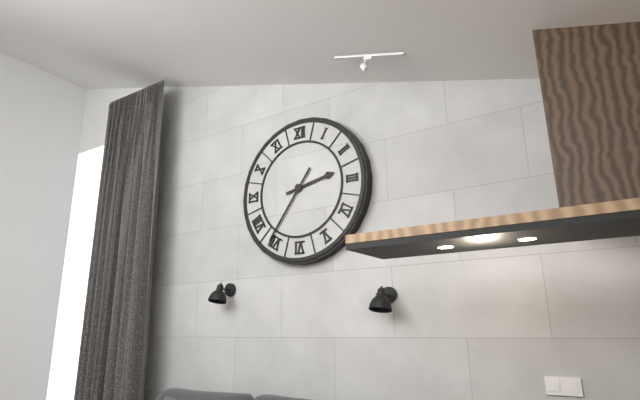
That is 2:36
